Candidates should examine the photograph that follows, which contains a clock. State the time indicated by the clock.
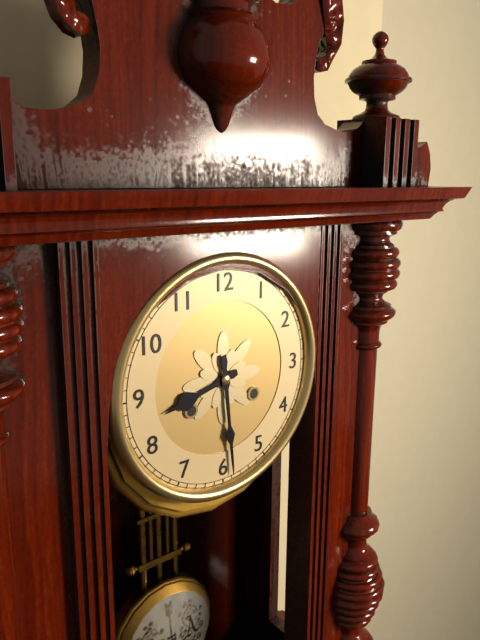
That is 8:29
